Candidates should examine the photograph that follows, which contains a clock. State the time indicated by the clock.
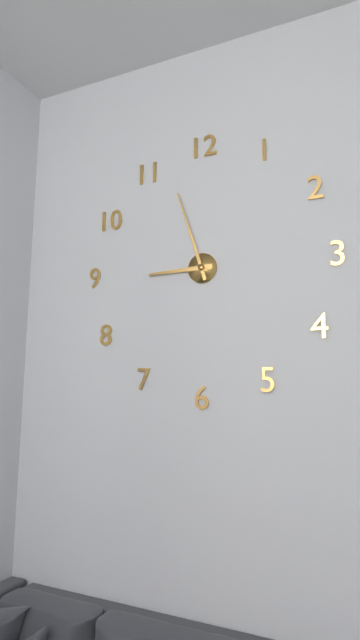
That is 8:57
